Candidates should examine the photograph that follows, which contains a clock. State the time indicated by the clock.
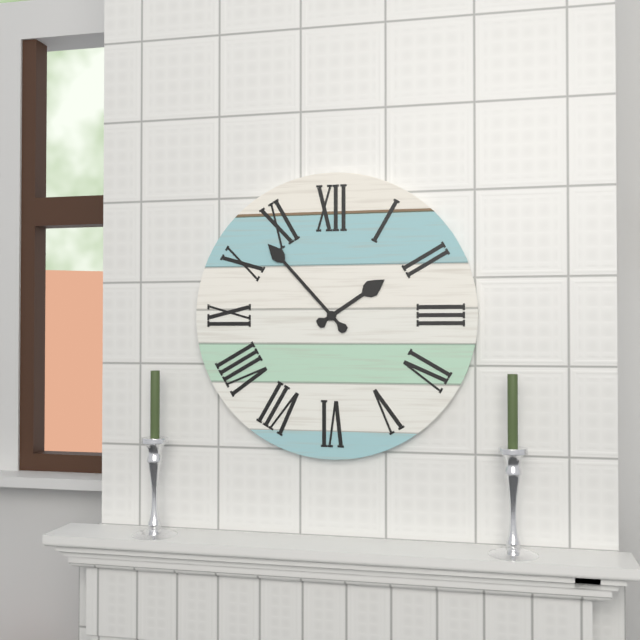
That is 1:53
